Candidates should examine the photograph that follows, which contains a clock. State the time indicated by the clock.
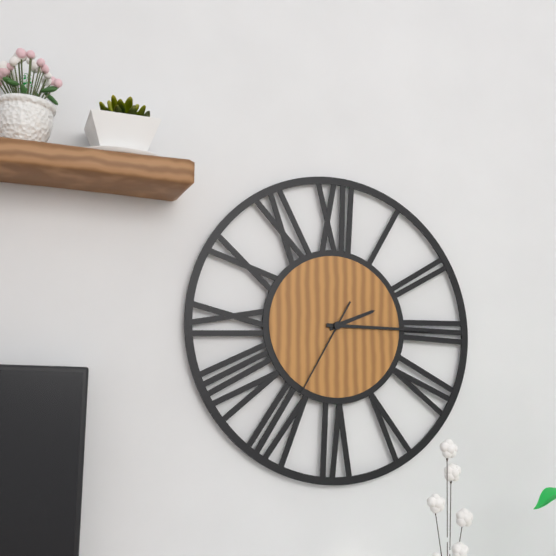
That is 2:15:35
